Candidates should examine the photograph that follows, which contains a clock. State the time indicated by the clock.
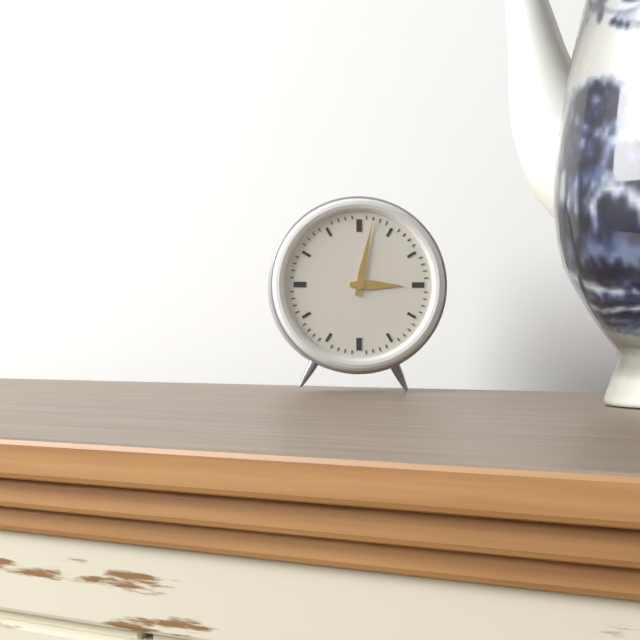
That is 3:02
